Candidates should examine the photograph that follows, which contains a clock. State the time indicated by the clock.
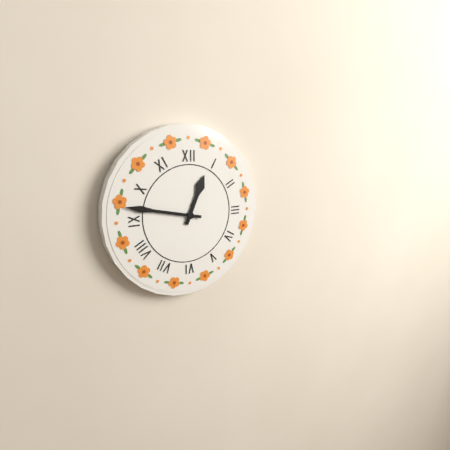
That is 12:47
